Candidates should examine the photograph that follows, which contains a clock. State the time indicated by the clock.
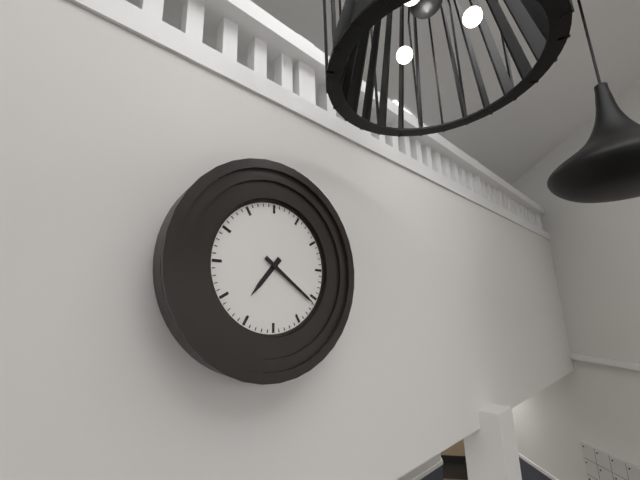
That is 7:21
